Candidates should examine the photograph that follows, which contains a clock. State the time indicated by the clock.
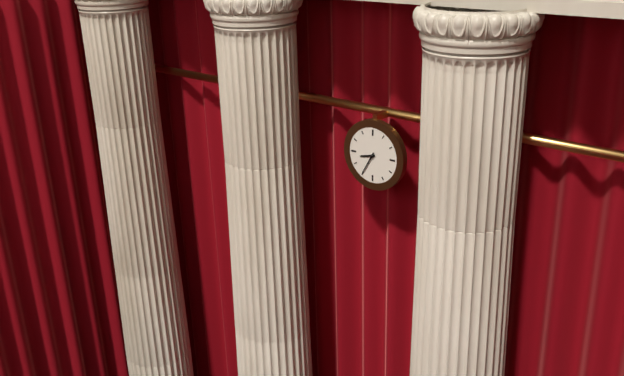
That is 8:35
